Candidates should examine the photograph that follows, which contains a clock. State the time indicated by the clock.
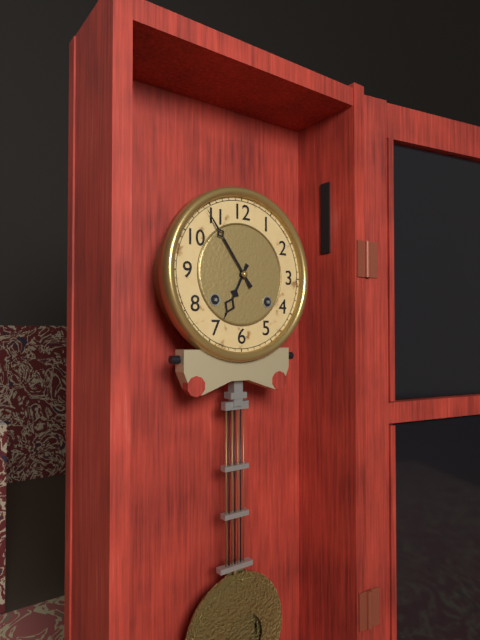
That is 6:54
